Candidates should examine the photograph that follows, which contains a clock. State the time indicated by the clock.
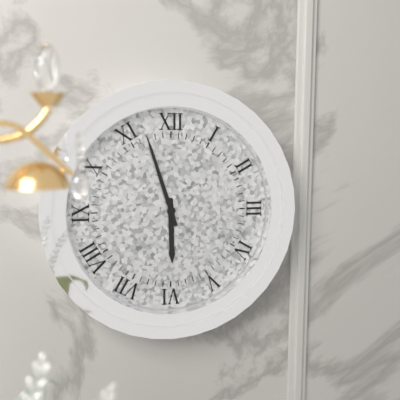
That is 5:57
